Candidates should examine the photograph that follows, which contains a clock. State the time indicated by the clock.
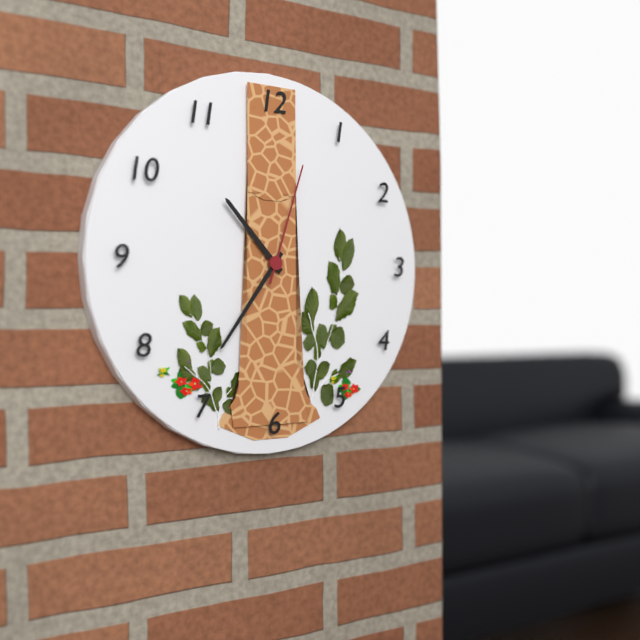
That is 10:36:03
